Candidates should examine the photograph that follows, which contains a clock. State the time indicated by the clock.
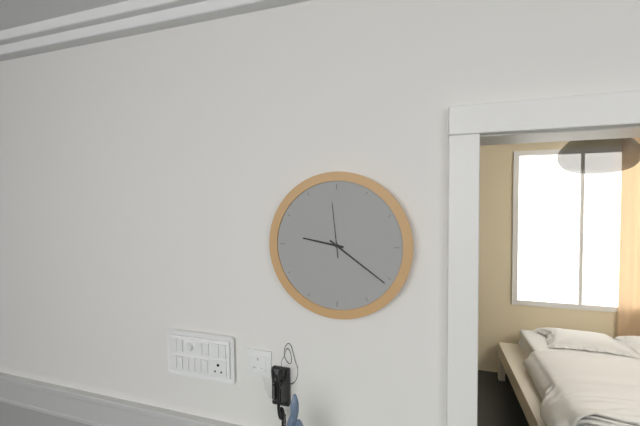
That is 9:21:59
